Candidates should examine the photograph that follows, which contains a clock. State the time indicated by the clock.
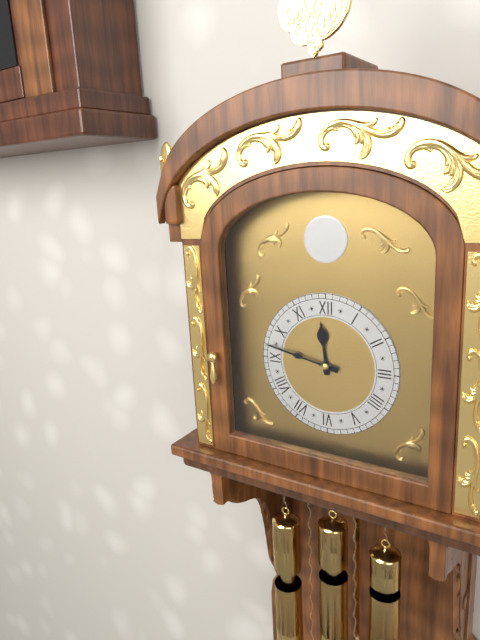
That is 11:47
